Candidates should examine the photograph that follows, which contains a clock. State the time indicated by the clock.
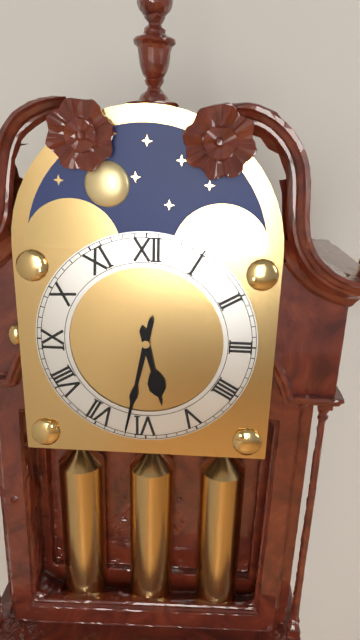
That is 5:32
